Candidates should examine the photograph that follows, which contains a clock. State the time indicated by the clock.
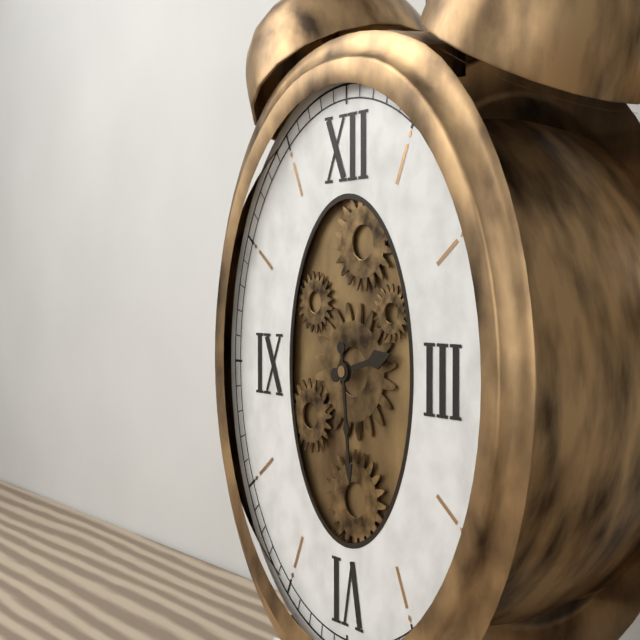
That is 2:29
